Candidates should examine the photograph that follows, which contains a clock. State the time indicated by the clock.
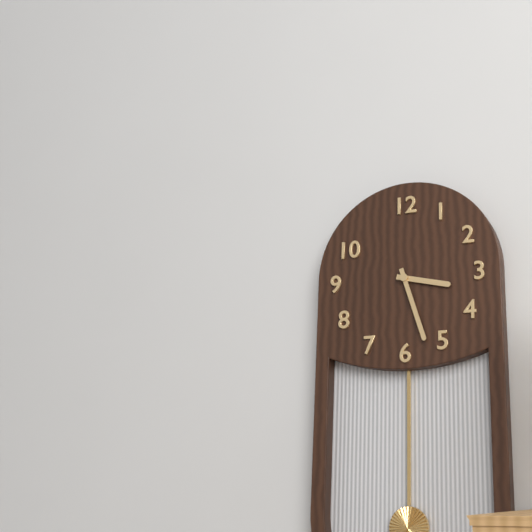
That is 3:27
